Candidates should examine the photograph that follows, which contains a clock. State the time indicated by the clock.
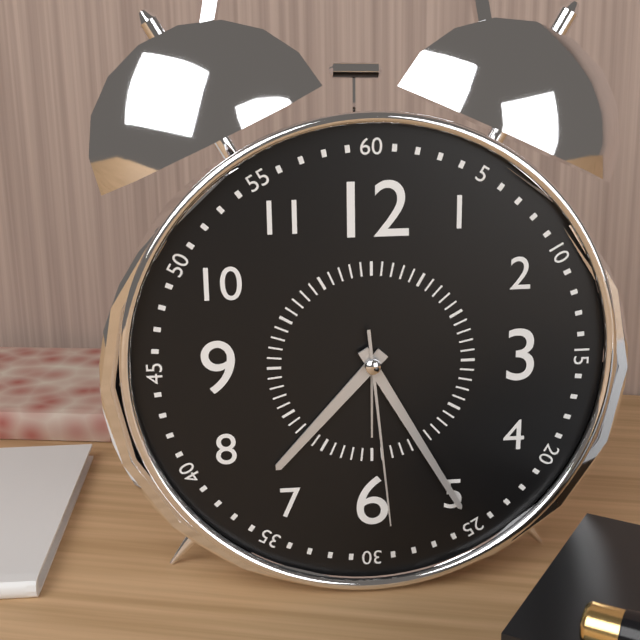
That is 7:25:29
